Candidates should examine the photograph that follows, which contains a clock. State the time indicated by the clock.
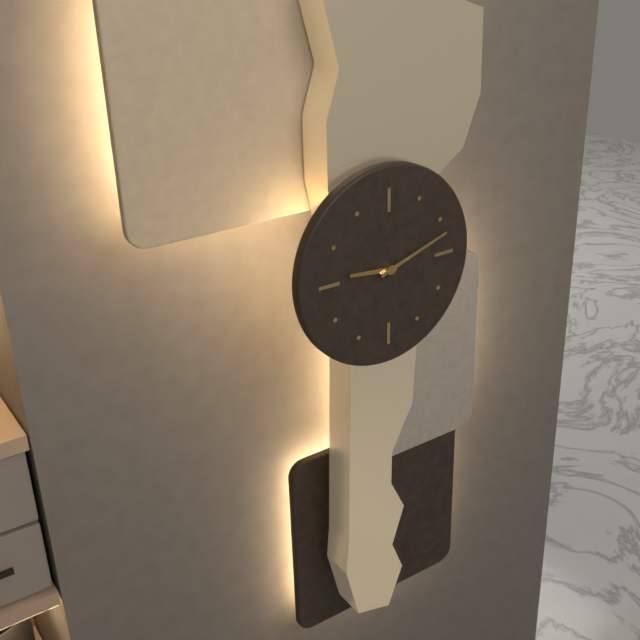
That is 9:12
